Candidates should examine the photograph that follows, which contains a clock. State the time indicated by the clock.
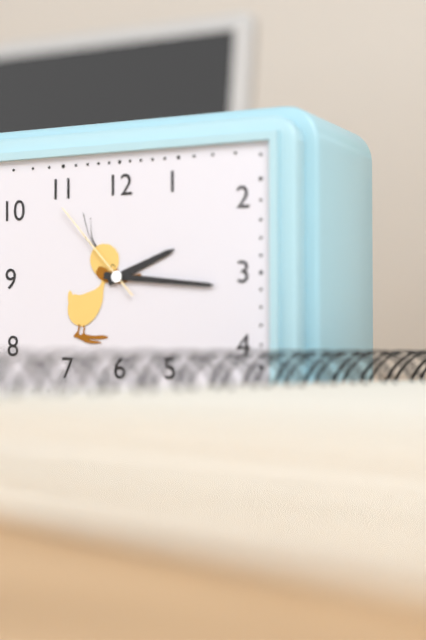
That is 2:16:53
